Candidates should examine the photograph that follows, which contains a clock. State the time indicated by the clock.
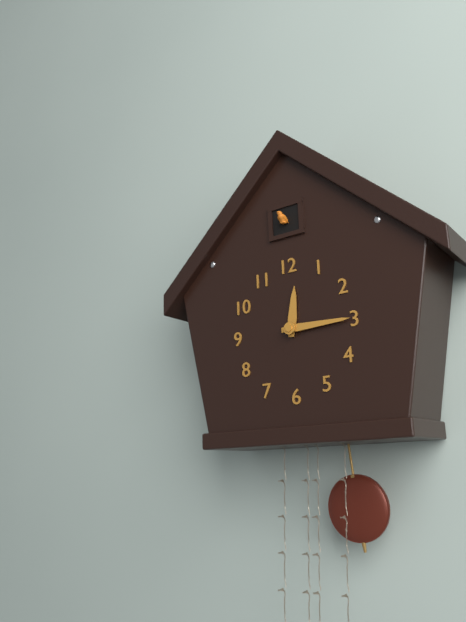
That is 12:15
